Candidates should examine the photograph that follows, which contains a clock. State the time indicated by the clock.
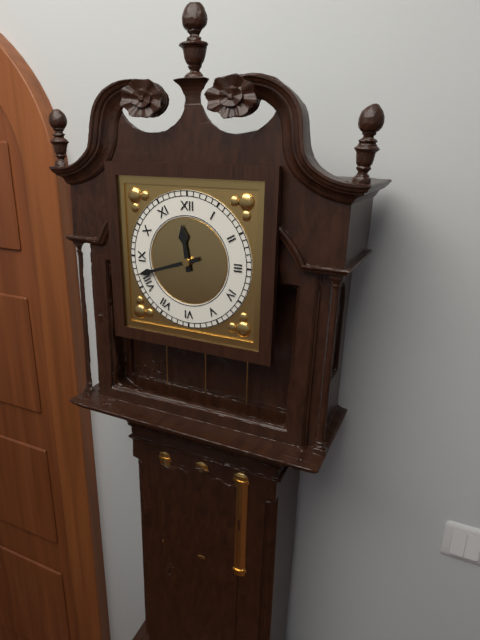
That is 11:42
